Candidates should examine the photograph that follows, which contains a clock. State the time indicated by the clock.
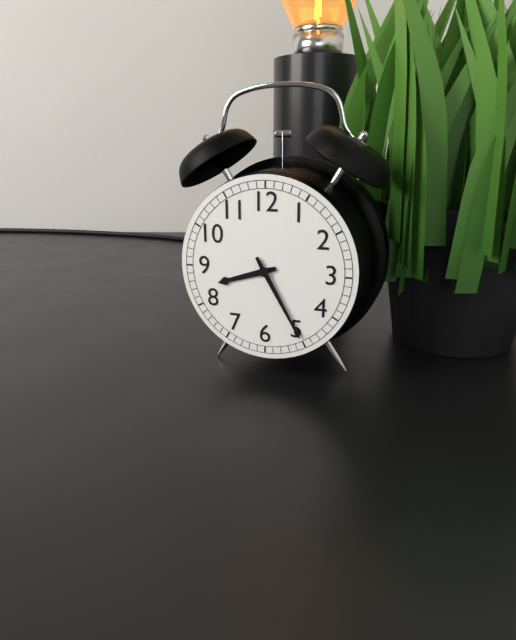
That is 8:25
